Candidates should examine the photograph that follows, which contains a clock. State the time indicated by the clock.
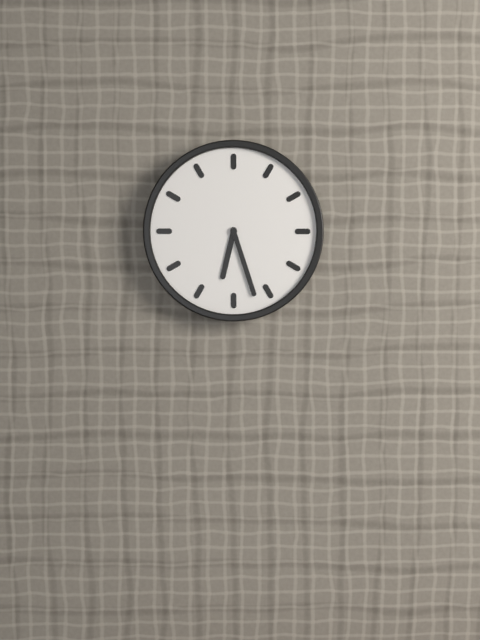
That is 6:27
